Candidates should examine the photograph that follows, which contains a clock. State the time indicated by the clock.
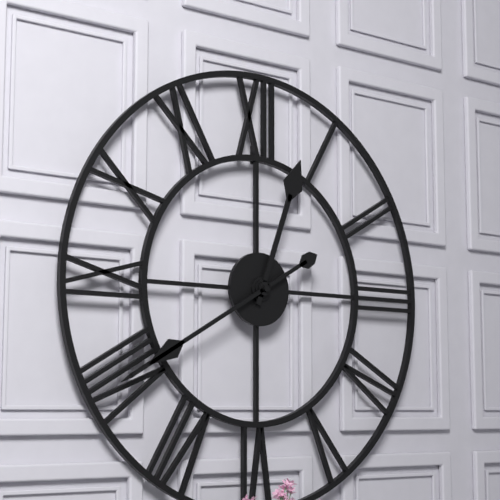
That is 12:40
